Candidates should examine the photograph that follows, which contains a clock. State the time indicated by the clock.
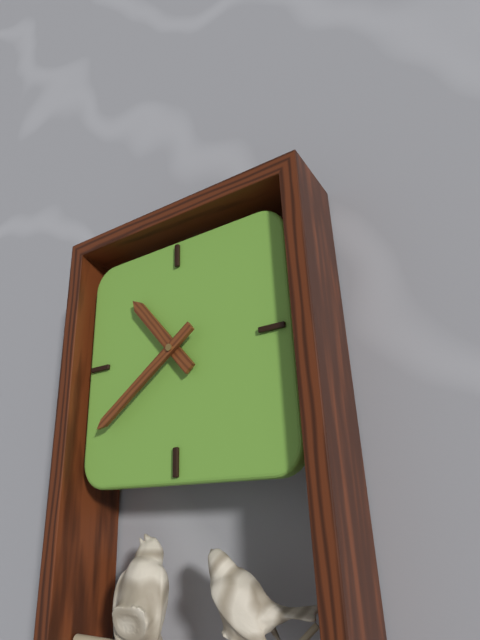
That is 10:39
